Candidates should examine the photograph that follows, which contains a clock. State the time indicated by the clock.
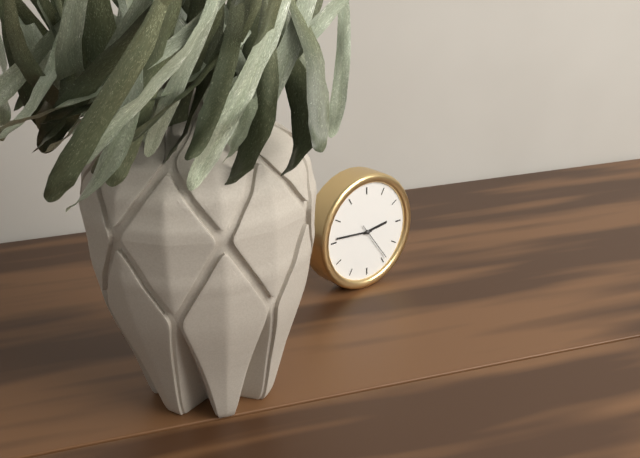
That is 2:46
